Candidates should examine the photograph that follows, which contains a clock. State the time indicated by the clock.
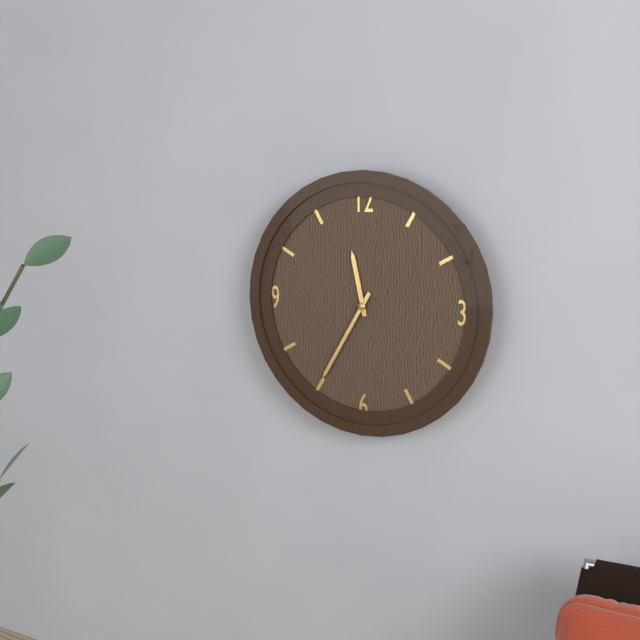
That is 11:35
